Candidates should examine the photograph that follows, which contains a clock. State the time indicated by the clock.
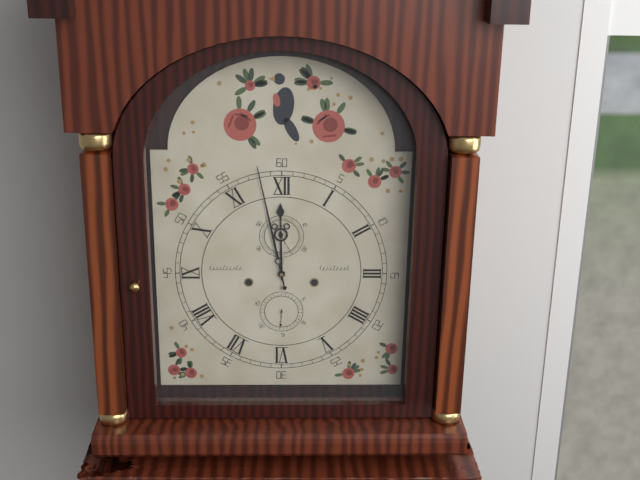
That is 11:58
